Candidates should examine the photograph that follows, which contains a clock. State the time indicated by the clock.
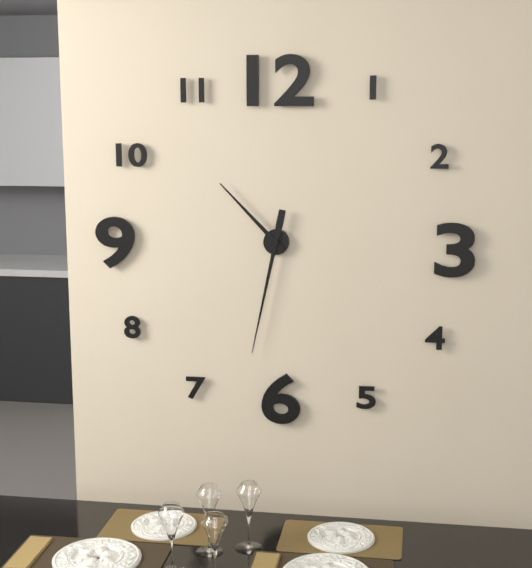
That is 10:32
